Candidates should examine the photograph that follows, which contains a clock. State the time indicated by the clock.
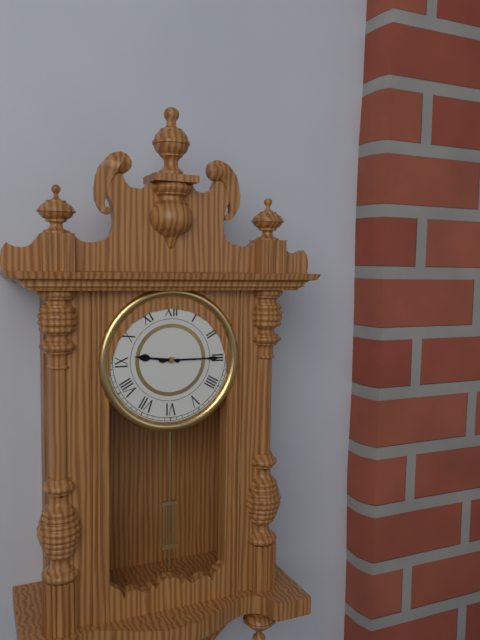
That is 9:15
